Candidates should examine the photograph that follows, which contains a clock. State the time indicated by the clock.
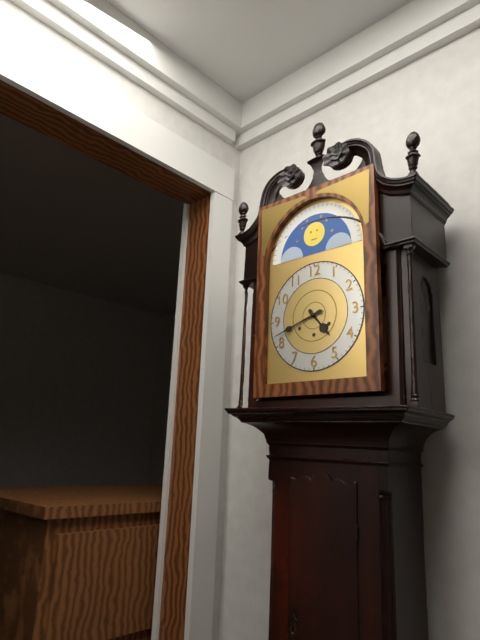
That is 4:42
